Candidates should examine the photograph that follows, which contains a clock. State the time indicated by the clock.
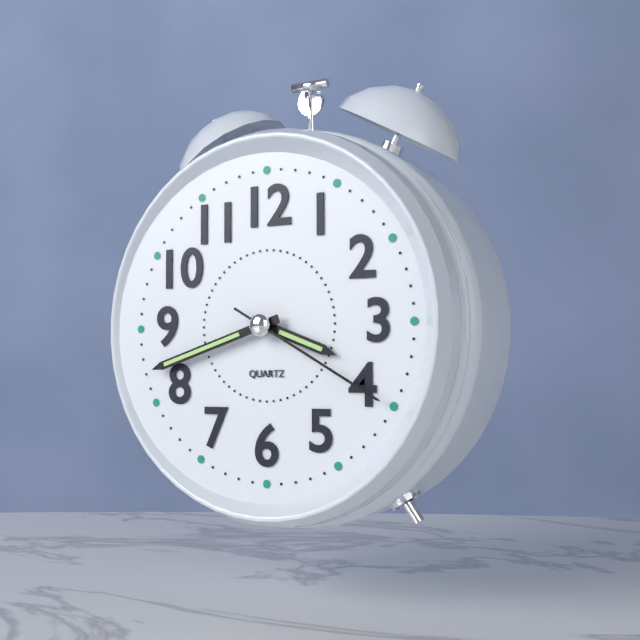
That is 3:42:20
